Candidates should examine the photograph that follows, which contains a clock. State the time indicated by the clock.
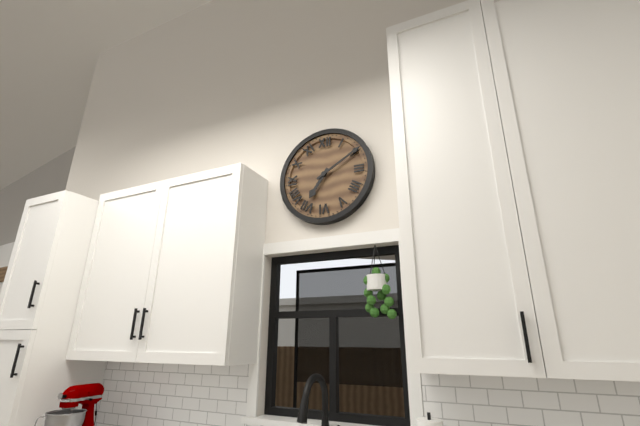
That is 7:10
